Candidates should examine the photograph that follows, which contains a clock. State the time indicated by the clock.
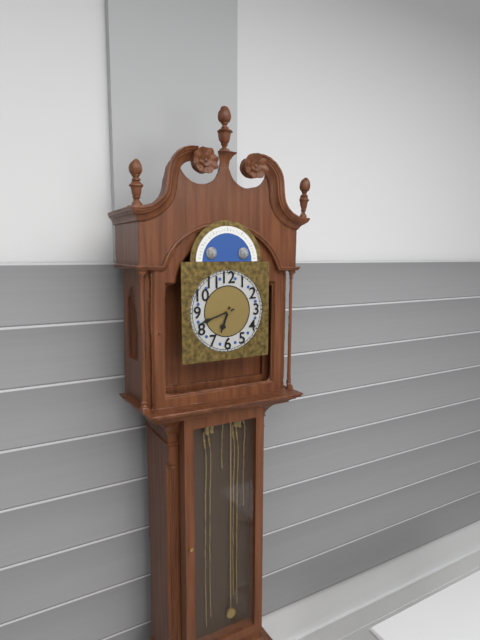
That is 6:42
